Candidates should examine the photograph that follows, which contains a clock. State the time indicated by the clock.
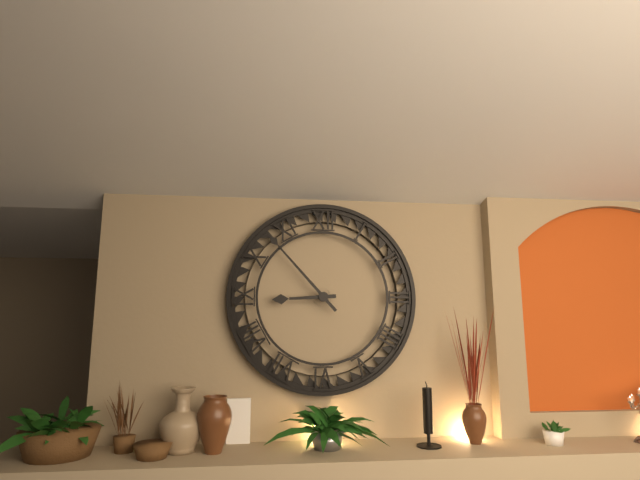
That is 8:53
